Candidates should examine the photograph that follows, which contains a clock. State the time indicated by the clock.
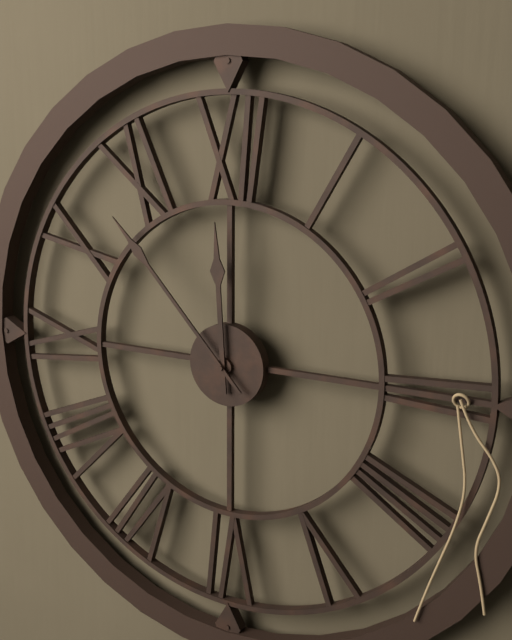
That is 11:53
